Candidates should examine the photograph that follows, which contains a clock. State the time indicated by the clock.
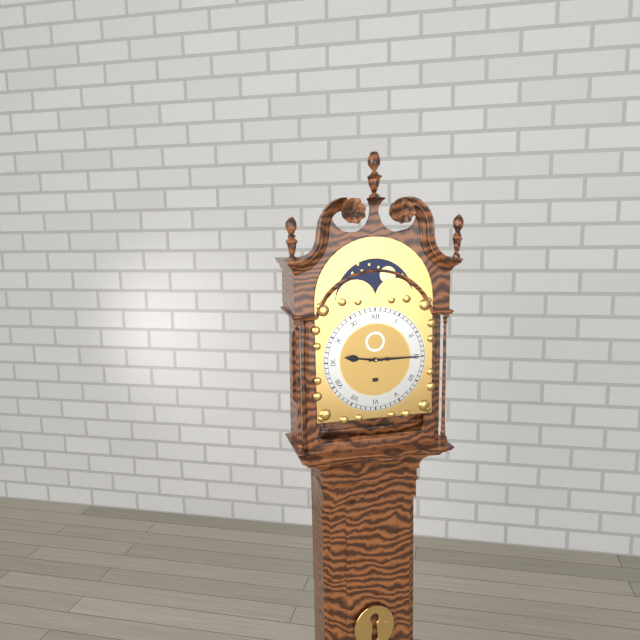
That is 9:15
